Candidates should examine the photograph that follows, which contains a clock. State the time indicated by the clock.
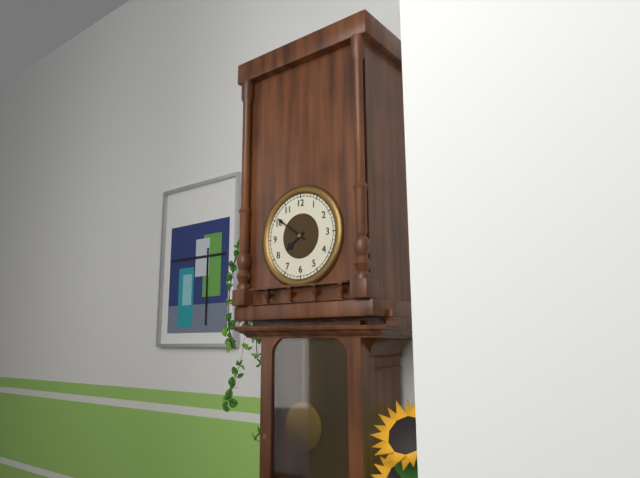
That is 7:51
